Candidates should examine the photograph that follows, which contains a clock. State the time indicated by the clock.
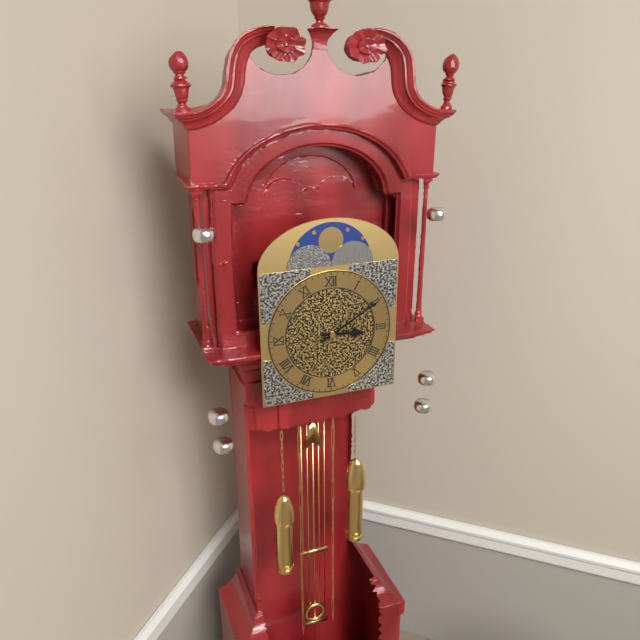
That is 3:10
